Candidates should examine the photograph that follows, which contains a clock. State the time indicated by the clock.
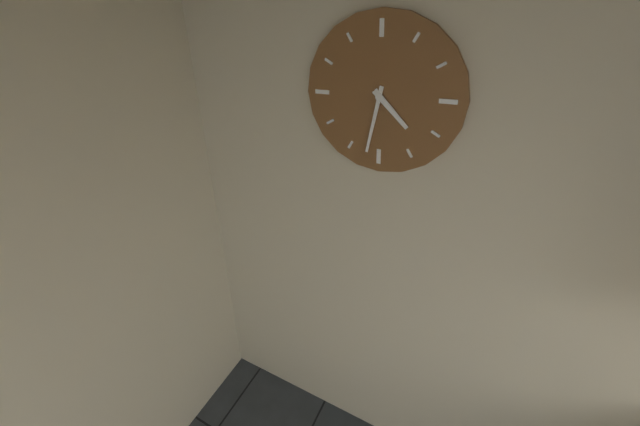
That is 4:32
